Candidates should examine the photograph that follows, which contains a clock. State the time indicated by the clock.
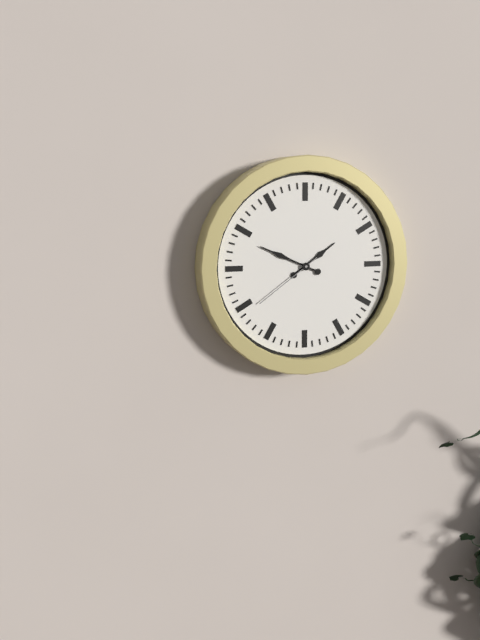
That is 1:49:39
